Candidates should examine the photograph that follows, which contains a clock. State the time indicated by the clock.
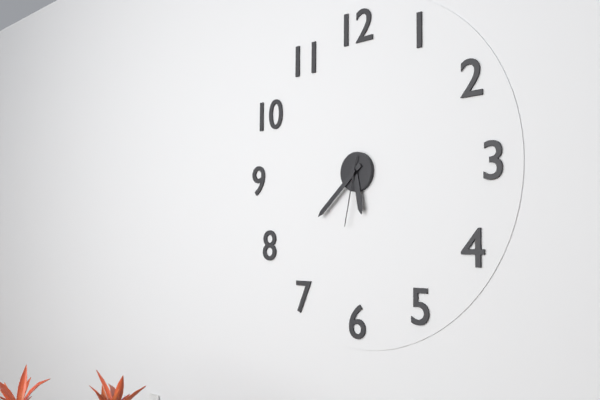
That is 5:38:32
